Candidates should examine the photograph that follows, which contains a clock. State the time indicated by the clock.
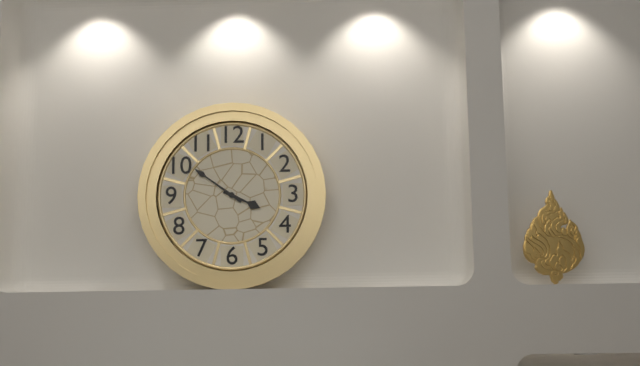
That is 3:51
